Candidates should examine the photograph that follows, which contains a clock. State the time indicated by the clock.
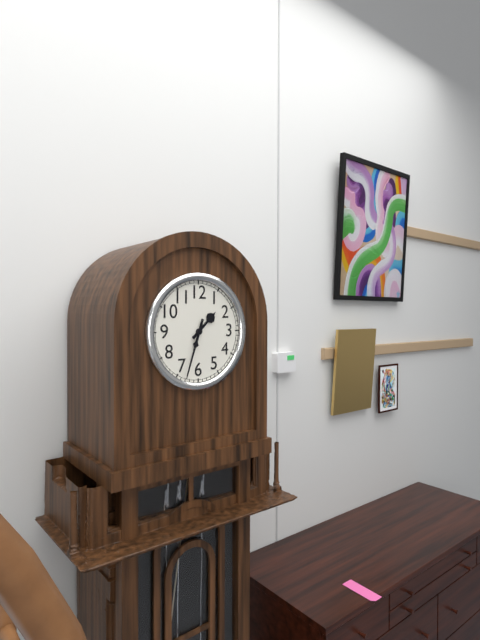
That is 1:33
